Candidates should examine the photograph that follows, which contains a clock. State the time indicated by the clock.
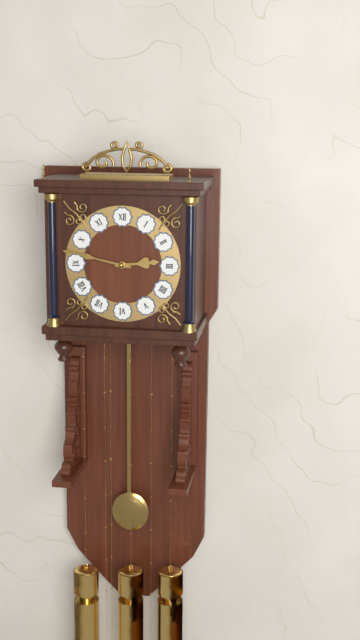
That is 2:47
